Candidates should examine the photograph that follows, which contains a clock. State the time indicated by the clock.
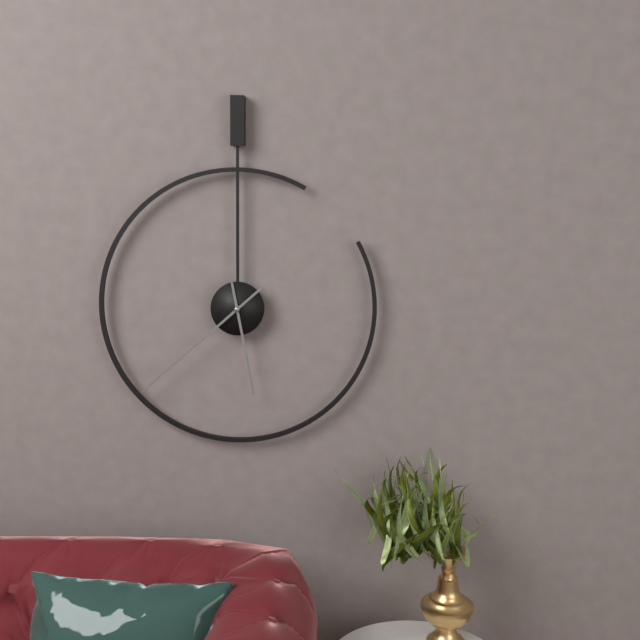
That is 5:38
